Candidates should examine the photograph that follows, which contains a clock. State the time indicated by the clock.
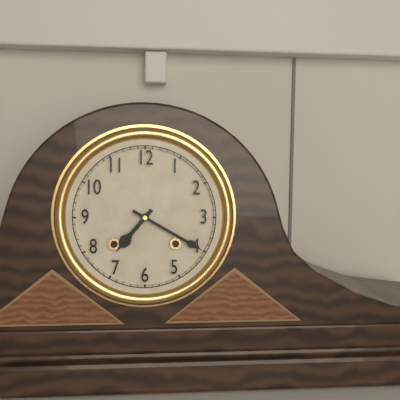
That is 7:20
